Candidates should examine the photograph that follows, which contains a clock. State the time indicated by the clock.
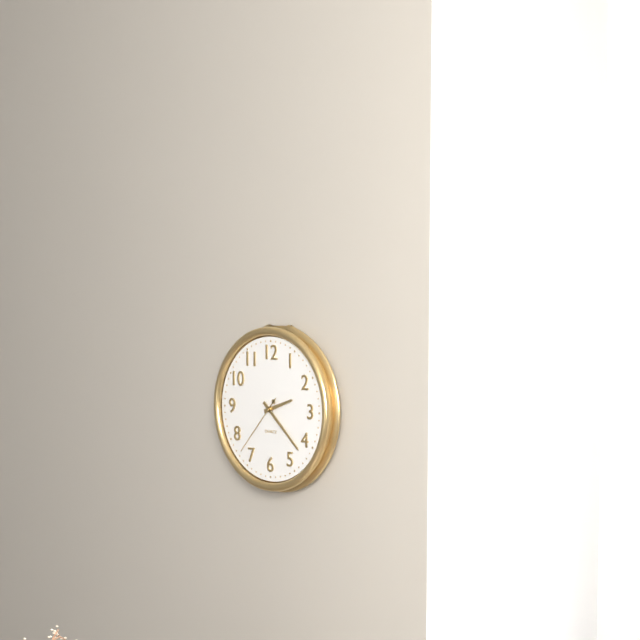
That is 2:22:37
